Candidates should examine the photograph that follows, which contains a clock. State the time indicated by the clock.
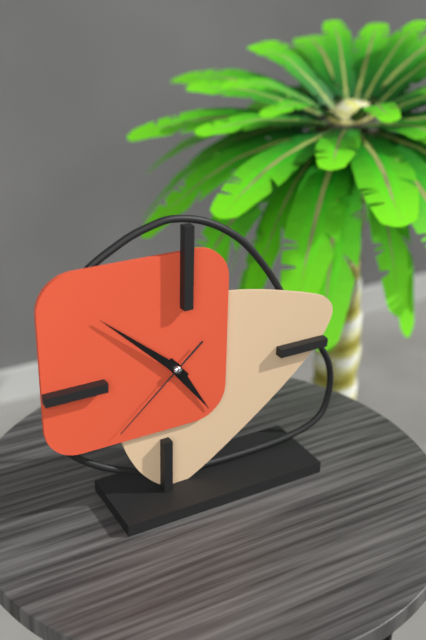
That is 4:52:38
